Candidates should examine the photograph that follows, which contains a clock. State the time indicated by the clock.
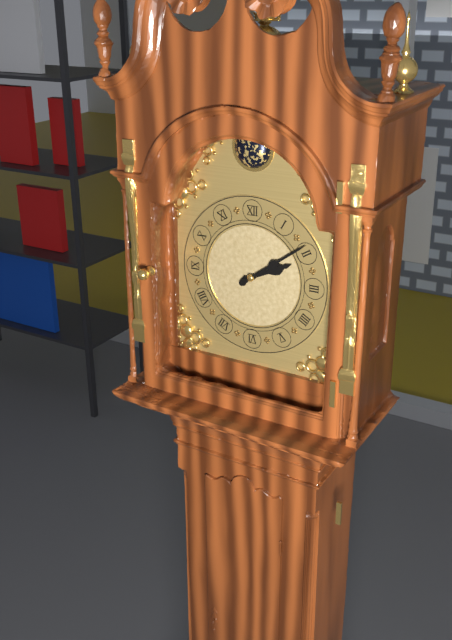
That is 2:09
